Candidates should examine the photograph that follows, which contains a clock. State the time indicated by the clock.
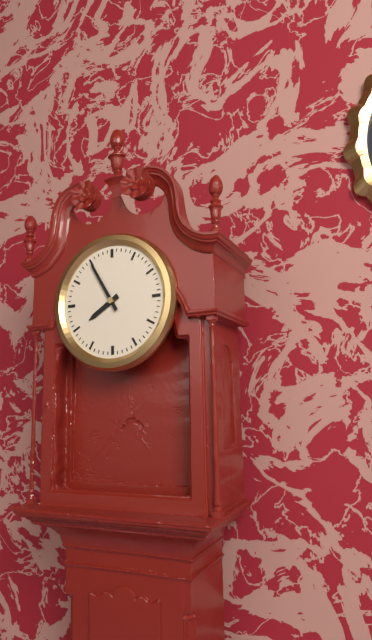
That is 7:55
